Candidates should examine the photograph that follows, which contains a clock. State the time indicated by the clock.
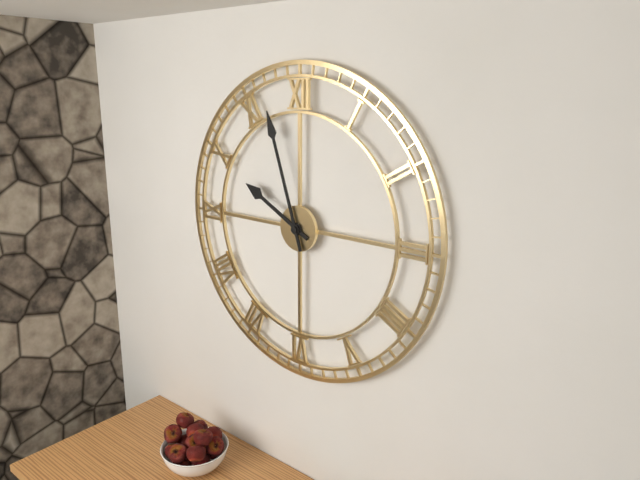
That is 9:57
